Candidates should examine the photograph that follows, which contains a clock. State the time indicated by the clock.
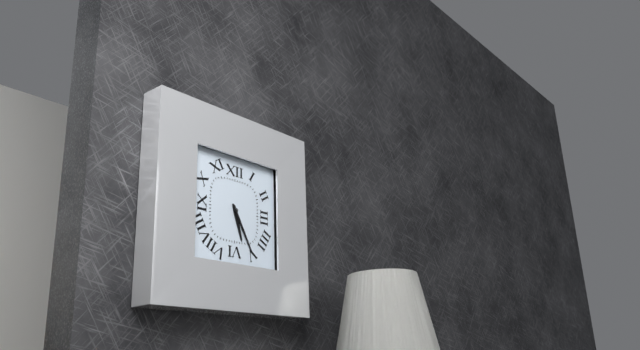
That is 5:25
